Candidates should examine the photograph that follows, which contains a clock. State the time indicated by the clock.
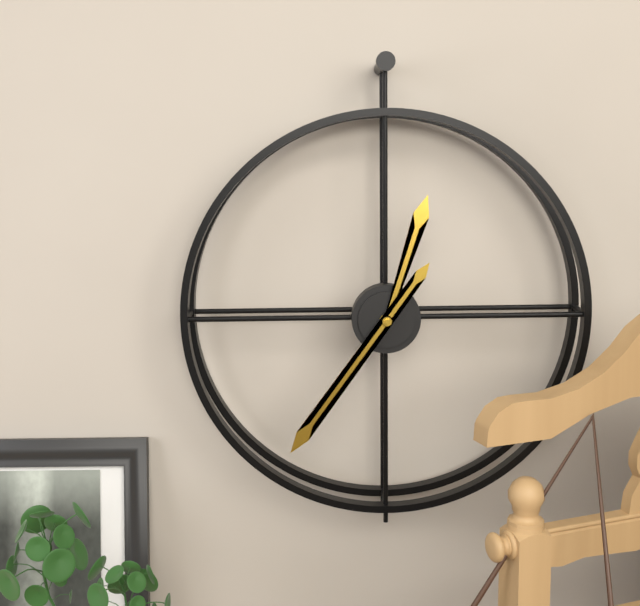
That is 12:36
